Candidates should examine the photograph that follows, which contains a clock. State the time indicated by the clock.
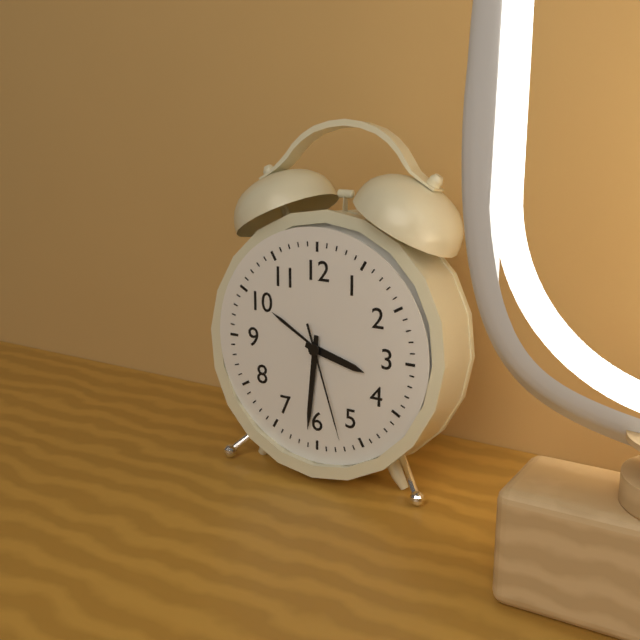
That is 3:31:27
